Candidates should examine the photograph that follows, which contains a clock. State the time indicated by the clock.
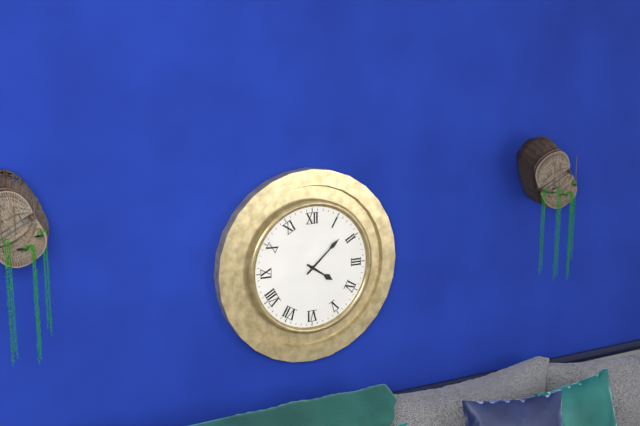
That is 4:08
